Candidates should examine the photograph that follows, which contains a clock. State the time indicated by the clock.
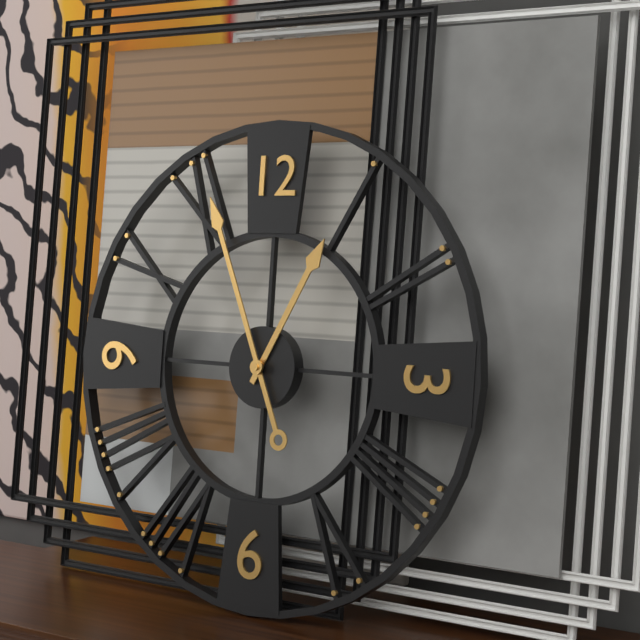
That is 12:56
